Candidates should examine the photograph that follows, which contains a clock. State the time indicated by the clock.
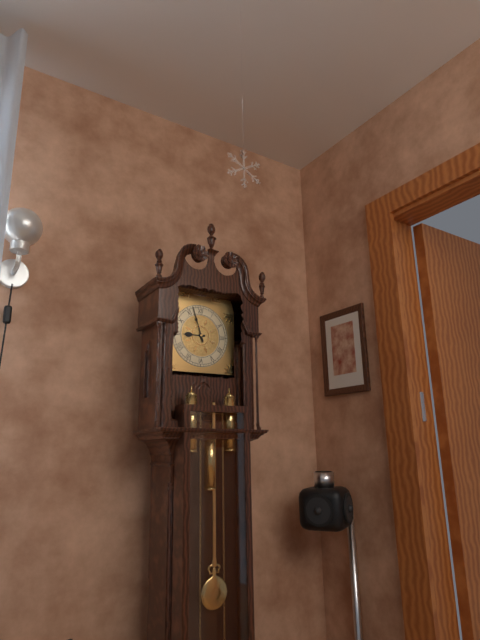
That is 8:57
